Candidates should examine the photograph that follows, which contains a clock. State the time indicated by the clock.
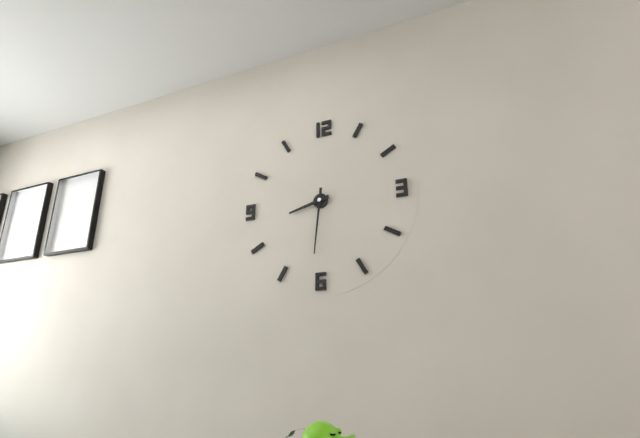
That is 8:31
